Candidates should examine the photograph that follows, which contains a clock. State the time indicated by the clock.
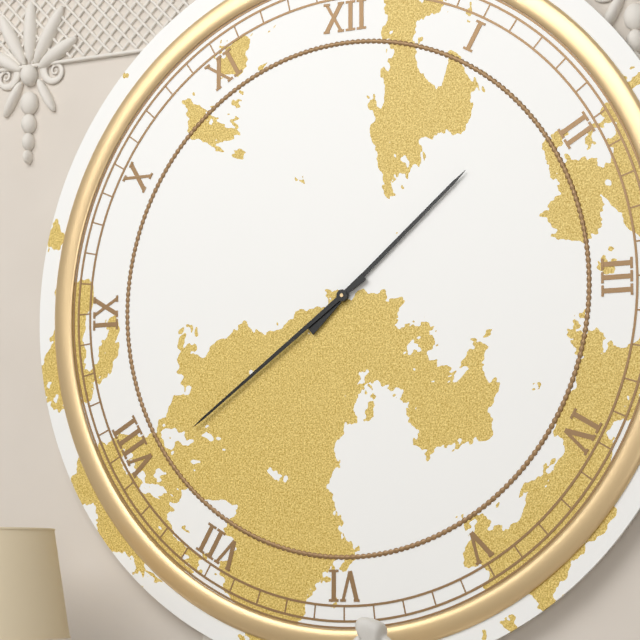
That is 1:39
